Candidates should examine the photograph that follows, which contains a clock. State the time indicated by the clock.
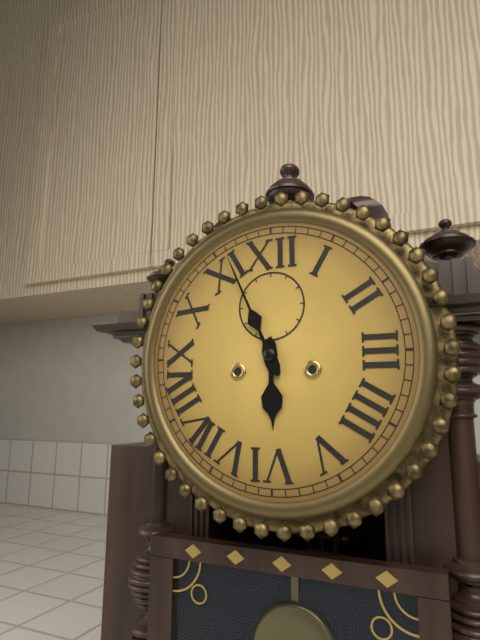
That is 5:56
